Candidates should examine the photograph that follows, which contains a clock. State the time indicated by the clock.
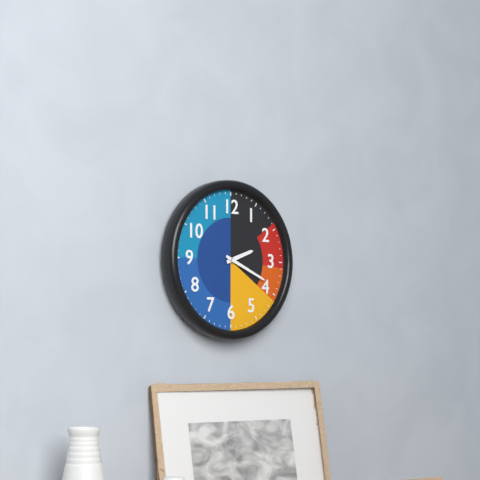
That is 2:19
